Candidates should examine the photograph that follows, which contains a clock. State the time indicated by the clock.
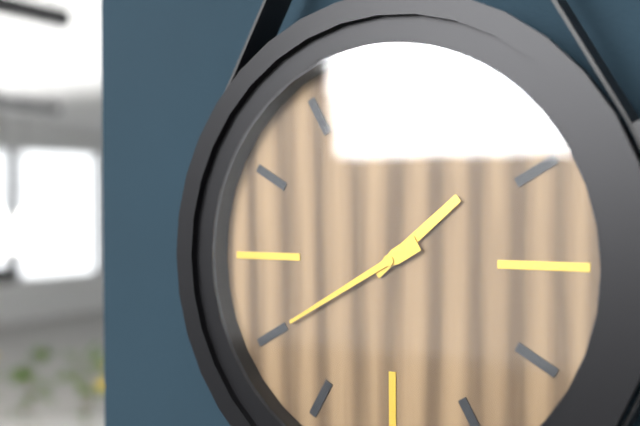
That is 1:40
